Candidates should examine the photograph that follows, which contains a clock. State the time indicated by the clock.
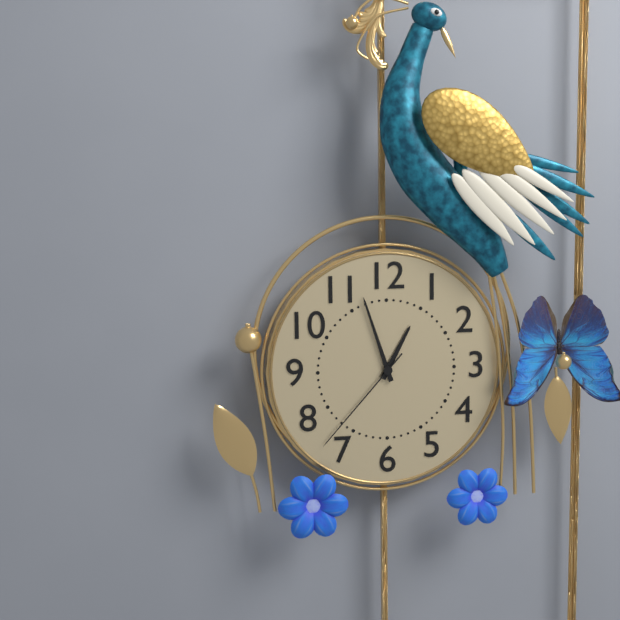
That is 12:57:37
